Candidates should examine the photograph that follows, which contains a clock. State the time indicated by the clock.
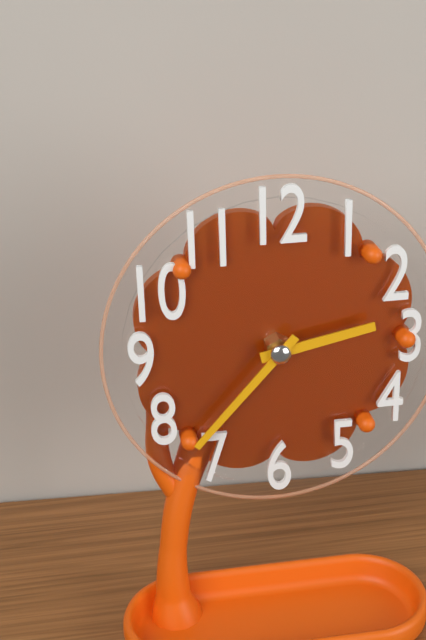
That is 2:37
